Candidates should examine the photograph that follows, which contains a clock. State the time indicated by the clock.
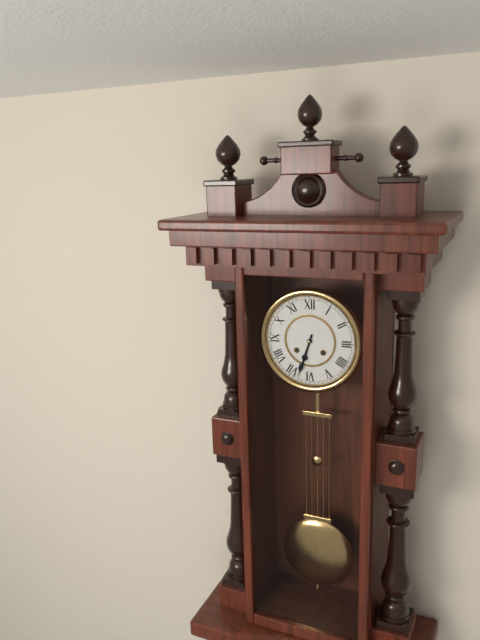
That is 6:33
